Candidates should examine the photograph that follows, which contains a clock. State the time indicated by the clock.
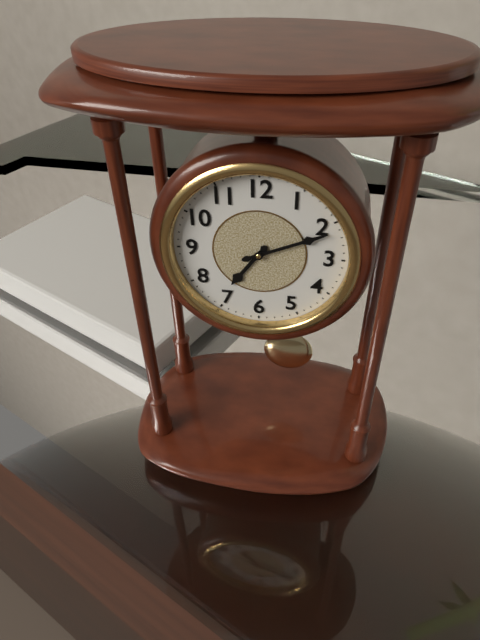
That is 7:11
